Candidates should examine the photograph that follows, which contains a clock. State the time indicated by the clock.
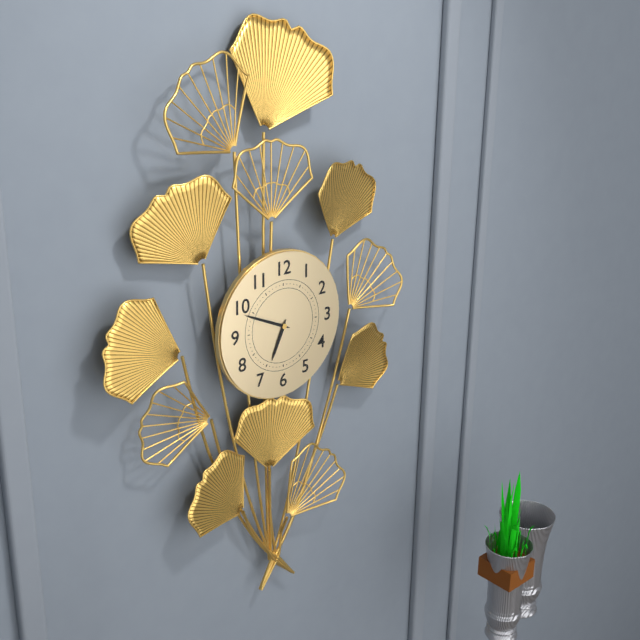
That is 6:49
